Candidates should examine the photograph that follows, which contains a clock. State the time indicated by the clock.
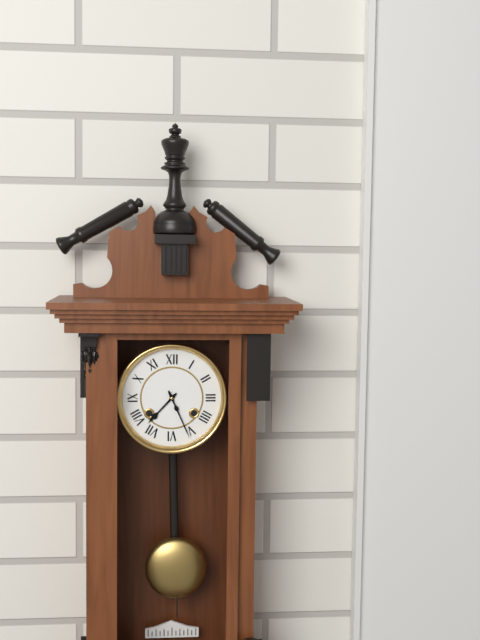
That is 7:26
